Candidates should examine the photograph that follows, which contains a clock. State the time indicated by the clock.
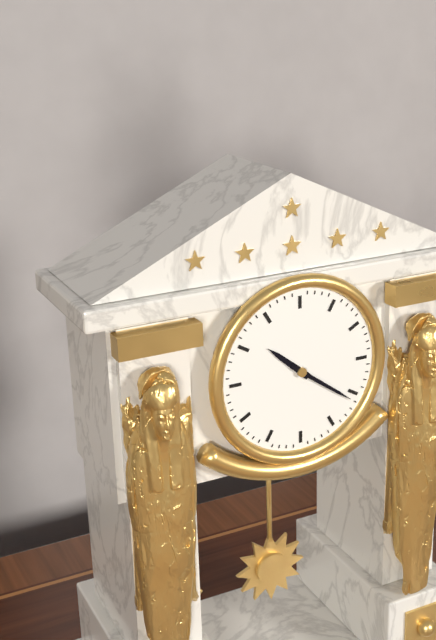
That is 10:21
